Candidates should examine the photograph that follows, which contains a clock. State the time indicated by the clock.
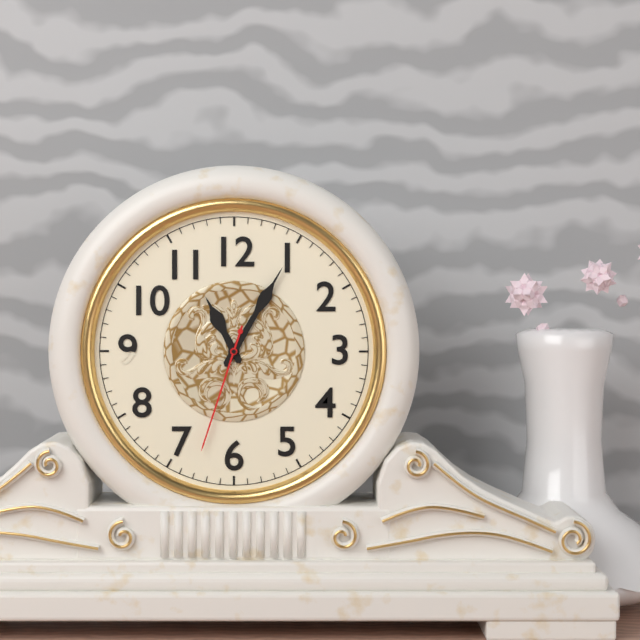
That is 11:05:33
